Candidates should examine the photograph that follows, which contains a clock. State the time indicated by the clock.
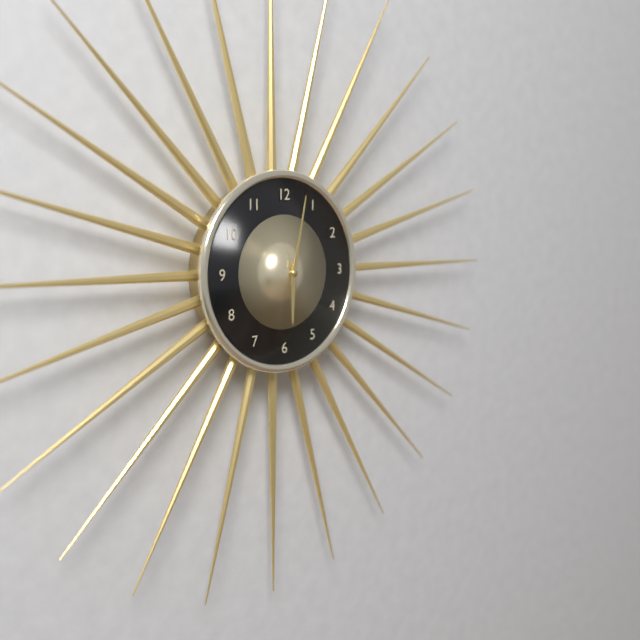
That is 6:02
